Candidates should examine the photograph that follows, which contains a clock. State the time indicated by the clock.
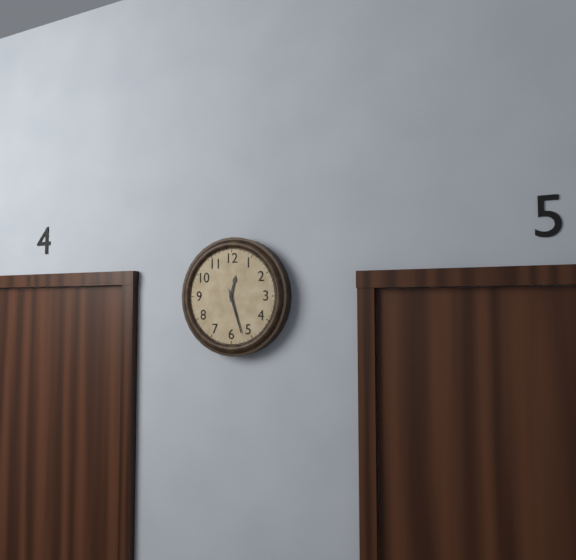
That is 12:27
